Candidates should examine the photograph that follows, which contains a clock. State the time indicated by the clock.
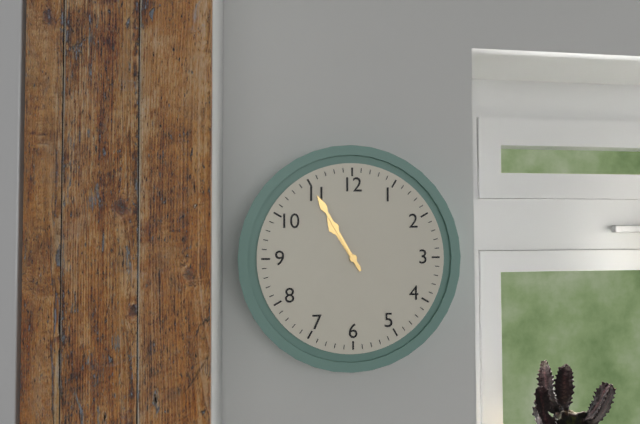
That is 10:55
